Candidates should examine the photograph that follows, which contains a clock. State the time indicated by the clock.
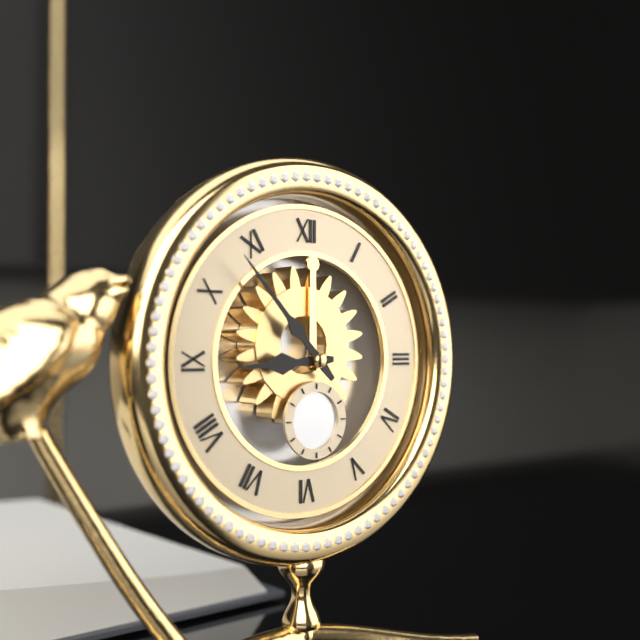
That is 8:53
